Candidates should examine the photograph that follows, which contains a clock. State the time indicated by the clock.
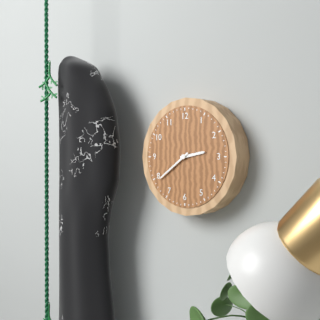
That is 2:39
